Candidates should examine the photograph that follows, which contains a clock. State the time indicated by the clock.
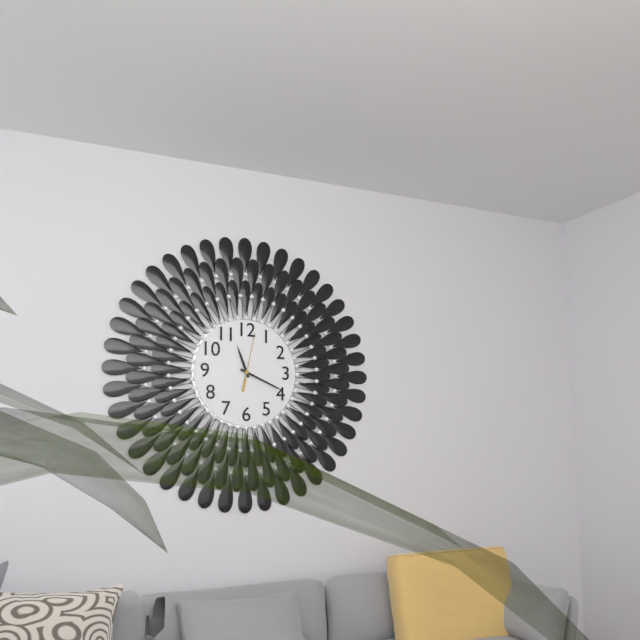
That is 11:19:02
